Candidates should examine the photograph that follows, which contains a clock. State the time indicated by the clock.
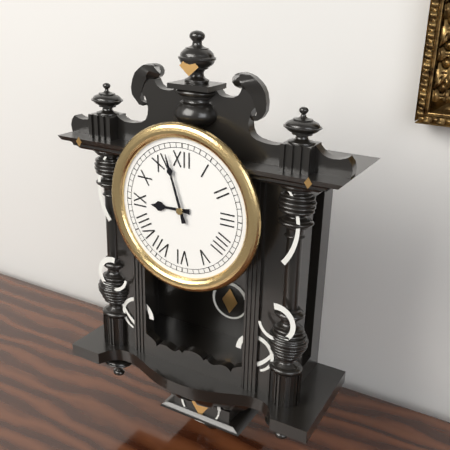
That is 8:57
